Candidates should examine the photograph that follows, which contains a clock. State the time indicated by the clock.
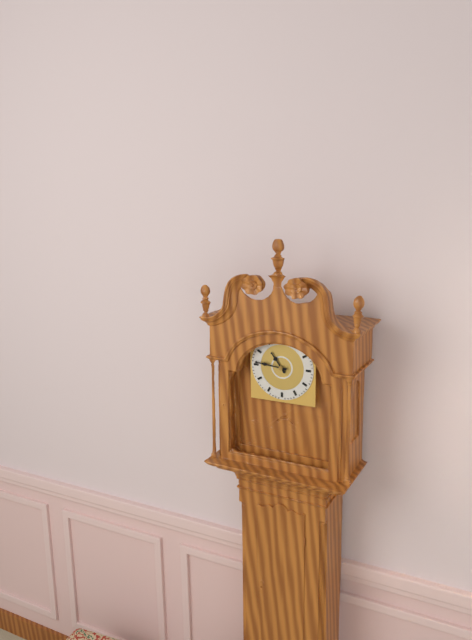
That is 10:46
